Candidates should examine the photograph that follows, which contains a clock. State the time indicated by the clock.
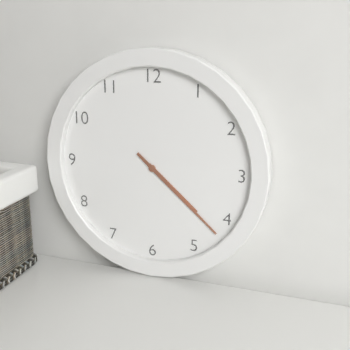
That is 4:22
